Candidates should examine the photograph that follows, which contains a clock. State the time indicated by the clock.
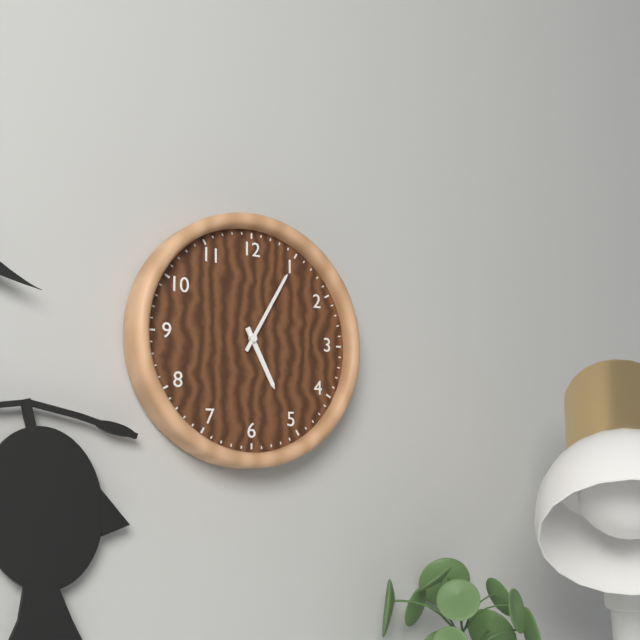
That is 5:05
